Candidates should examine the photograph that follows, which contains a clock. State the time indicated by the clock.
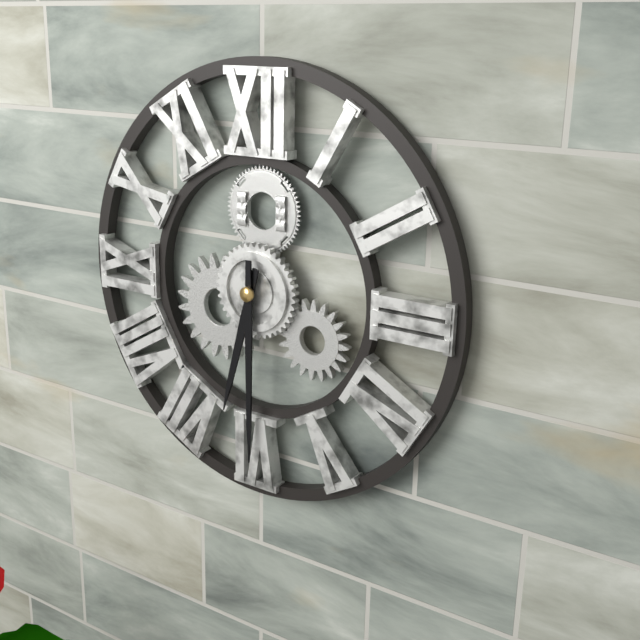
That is 6:30
